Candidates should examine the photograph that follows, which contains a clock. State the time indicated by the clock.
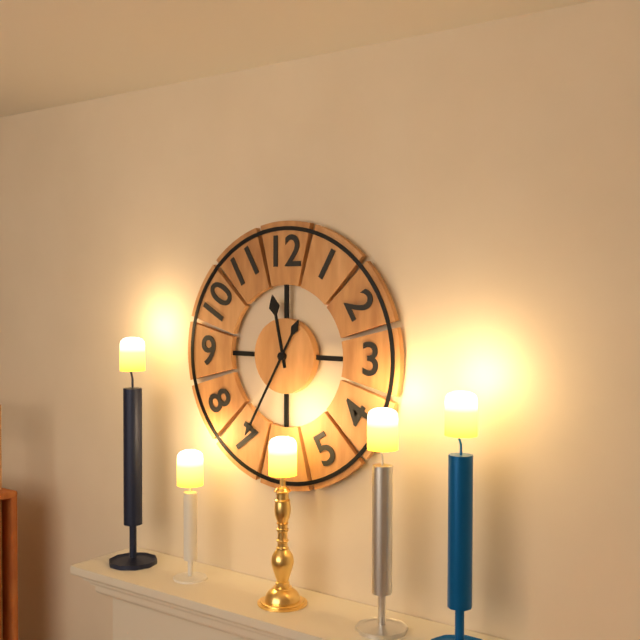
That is 11:35
